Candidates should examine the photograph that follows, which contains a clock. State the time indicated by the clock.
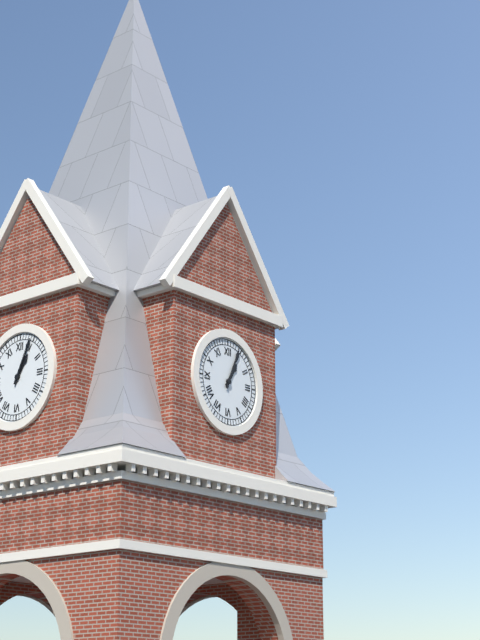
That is 1:04
